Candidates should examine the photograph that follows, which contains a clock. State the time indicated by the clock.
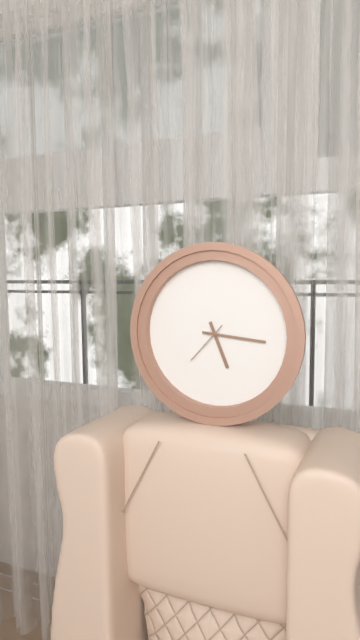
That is 5:16
